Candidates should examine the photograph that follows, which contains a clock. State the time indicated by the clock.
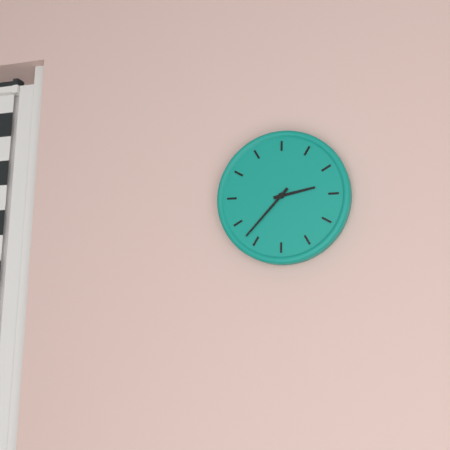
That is 2:37
